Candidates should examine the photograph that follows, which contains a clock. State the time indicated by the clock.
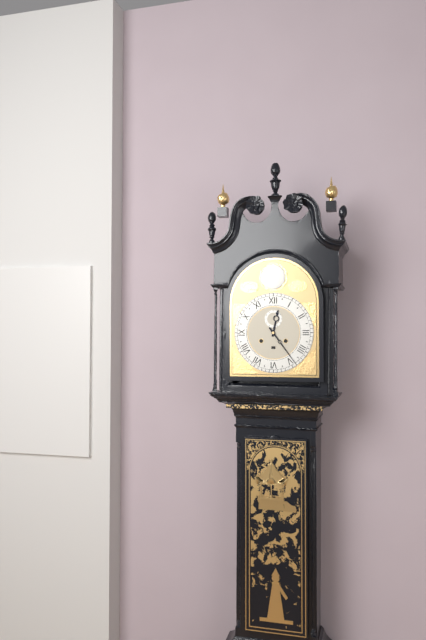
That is 12:24
